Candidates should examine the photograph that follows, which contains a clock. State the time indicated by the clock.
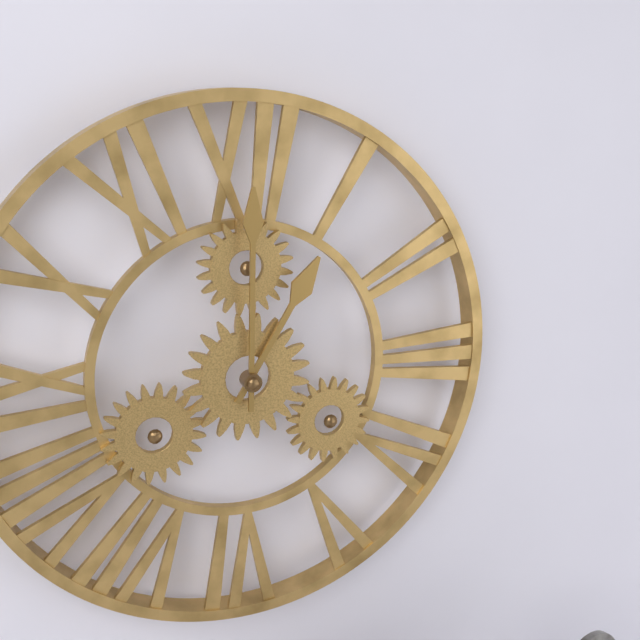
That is 1:00
